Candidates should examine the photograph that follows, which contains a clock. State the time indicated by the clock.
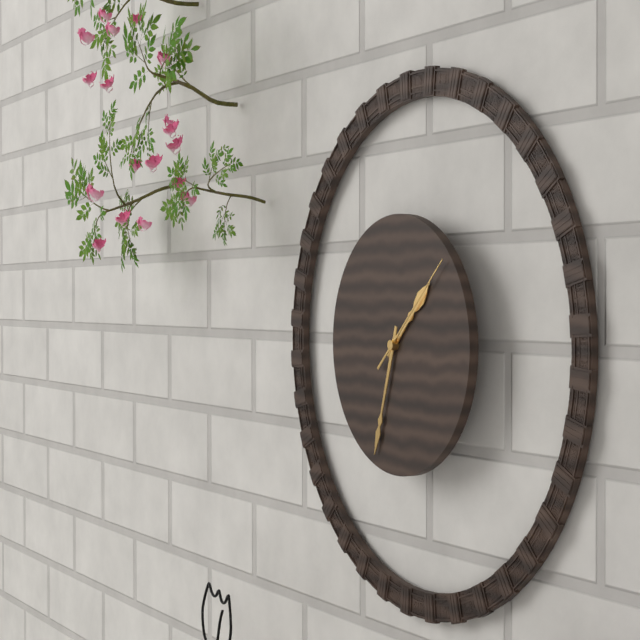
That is 1:33:08
